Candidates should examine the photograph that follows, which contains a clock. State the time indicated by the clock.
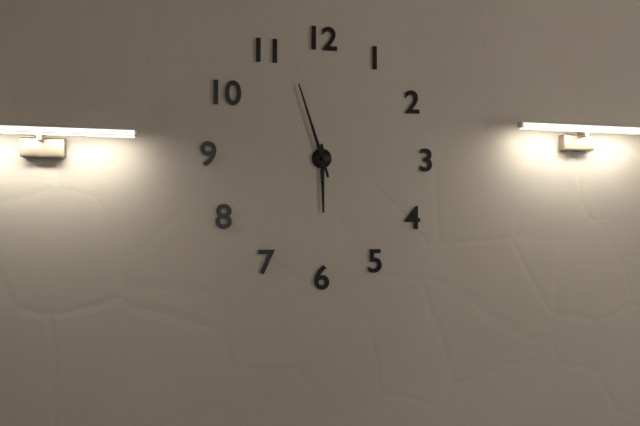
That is 5:57
